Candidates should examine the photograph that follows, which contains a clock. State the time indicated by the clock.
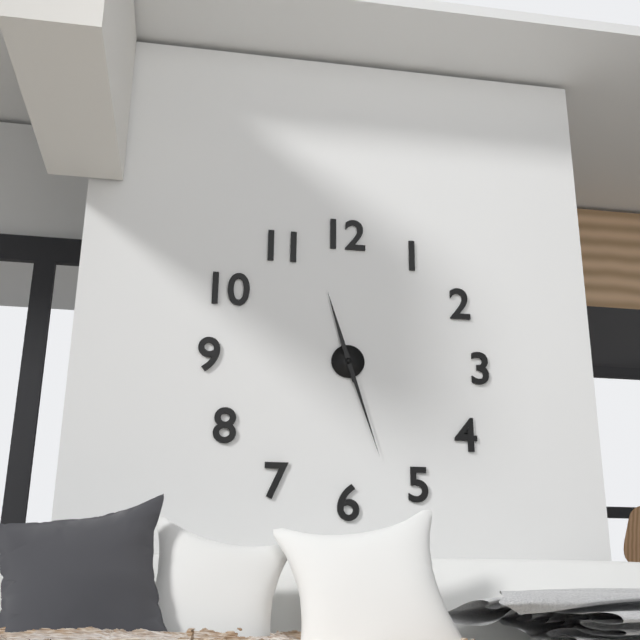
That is 11:27
